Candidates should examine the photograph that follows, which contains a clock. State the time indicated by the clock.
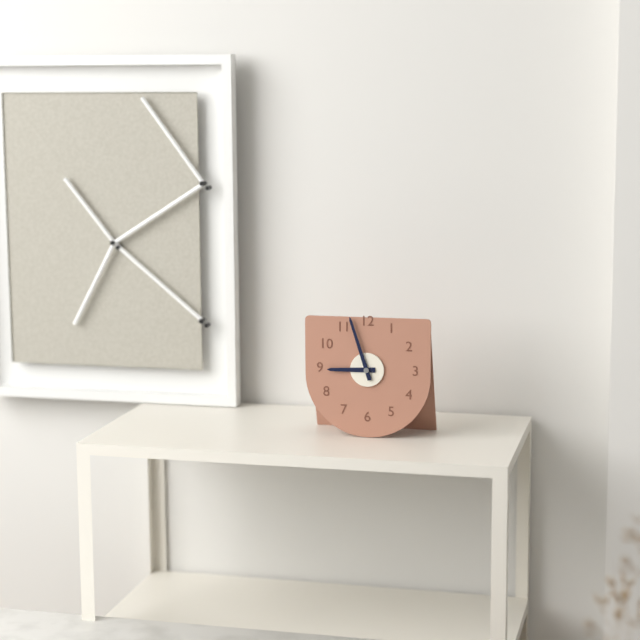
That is 8:57
